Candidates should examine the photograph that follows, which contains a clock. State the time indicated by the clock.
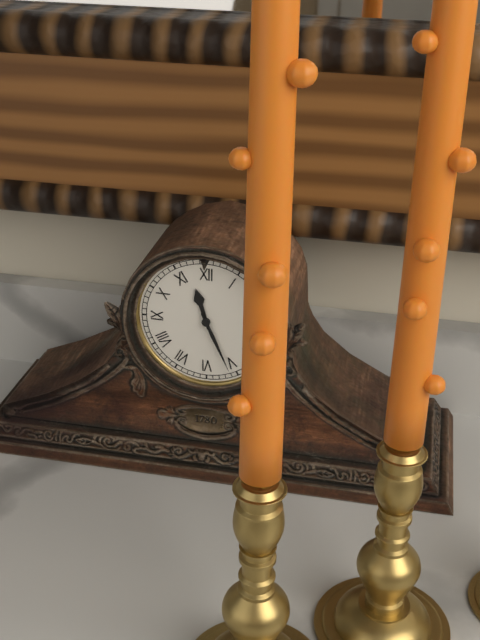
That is 11:26
